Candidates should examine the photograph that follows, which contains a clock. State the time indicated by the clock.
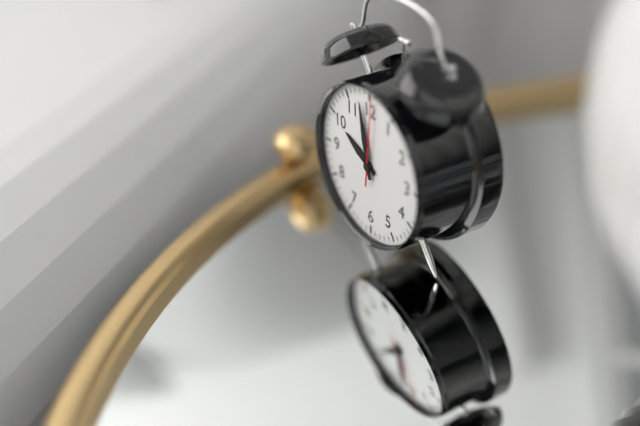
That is 9:58:01
